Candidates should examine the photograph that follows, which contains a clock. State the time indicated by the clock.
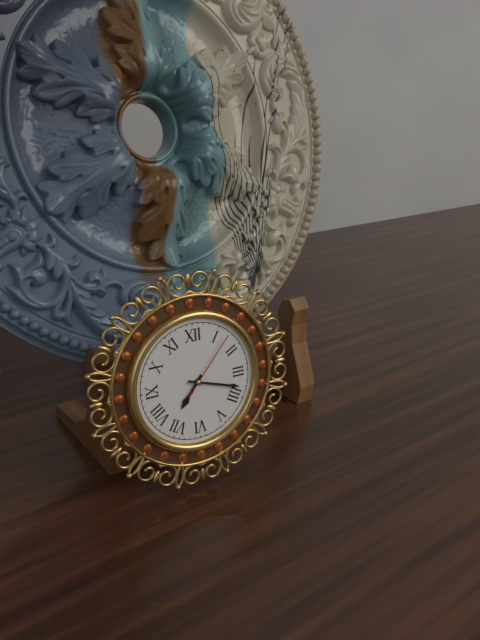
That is 7:18:07
